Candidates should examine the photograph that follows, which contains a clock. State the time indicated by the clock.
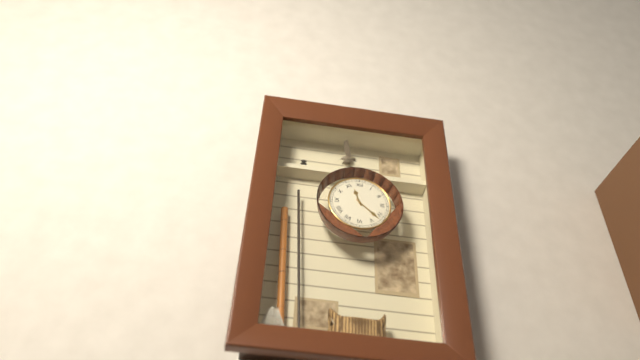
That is 11:22
